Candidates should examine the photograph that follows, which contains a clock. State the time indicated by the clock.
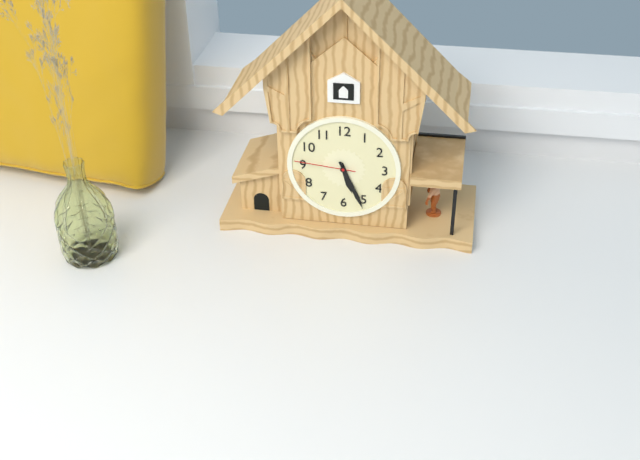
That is 5:26:46
